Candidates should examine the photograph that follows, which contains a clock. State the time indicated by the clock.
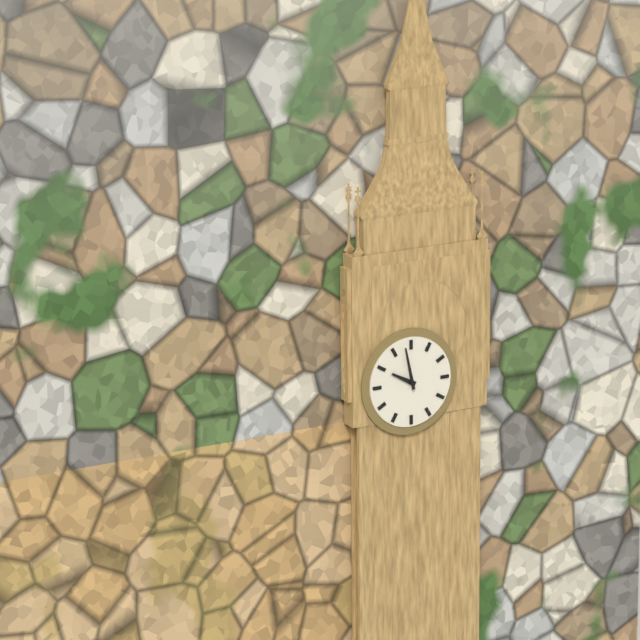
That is 9:58
